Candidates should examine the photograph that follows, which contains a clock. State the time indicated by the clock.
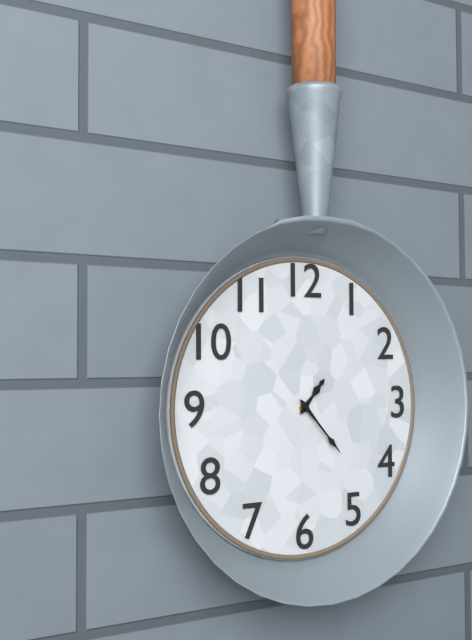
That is 1:23
